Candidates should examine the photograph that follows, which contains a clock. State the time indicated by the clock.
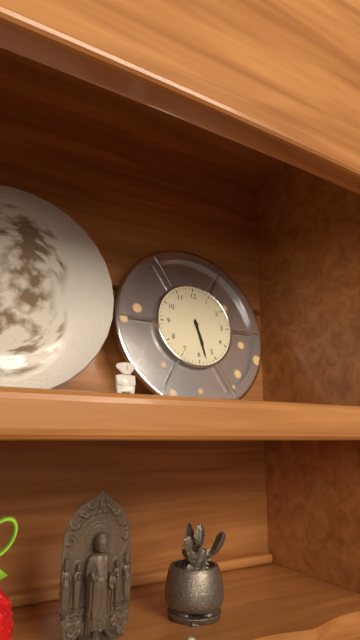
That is 5:28
